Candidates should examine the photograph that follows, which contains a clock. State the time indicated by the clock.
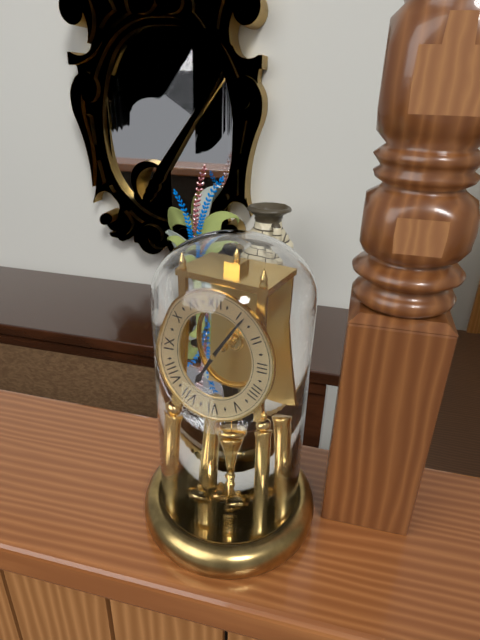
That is 7:06
